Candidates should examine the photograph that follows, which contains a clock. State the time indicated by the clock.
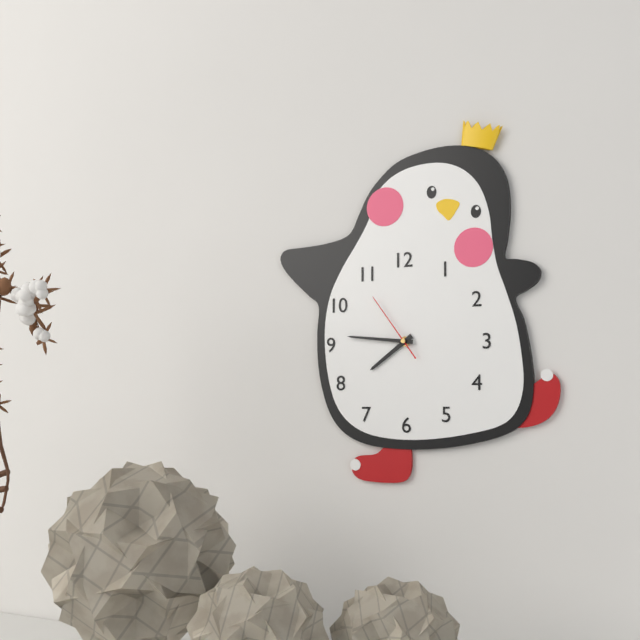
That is 7:46:54
